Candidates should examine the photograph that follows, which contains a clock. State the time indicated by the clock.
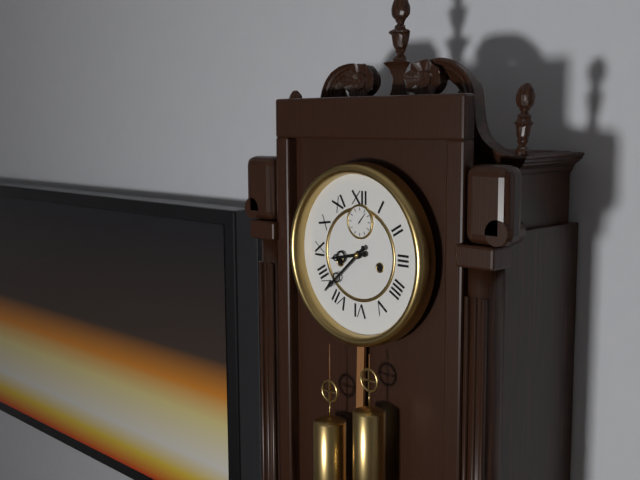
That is 8:38
